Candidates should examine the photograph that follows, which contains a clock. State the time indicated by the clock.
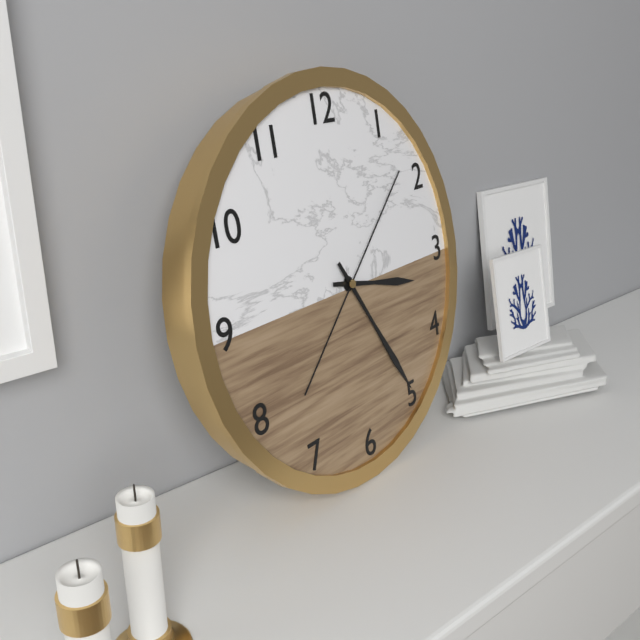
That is 3:25:08
